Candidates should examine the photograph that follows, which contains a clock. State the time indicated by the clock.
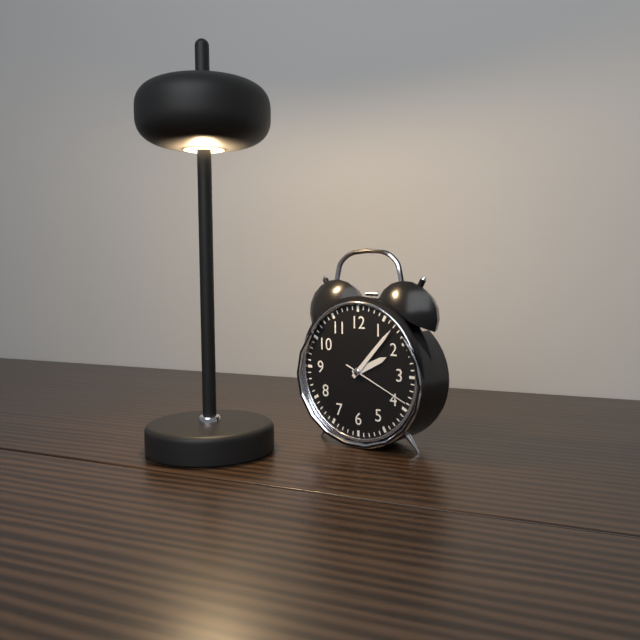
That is 2:07:19
